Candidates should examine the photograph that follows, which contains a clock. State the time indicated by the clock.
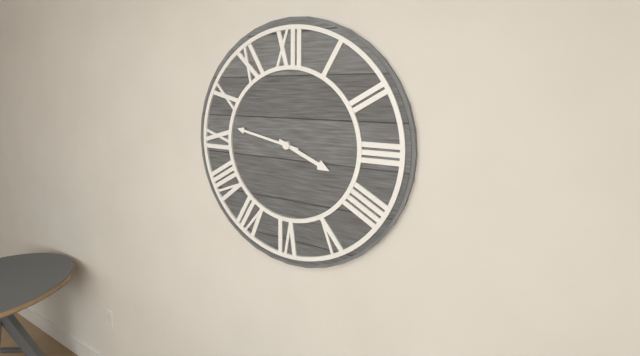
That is 3:47
